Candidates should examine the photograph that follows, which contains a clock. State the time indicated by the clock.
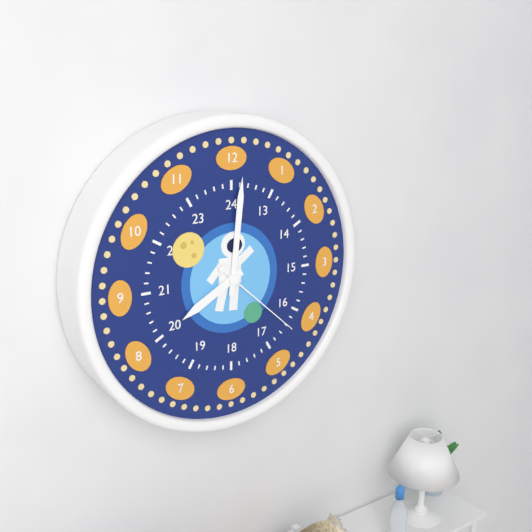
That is 8:01:22
